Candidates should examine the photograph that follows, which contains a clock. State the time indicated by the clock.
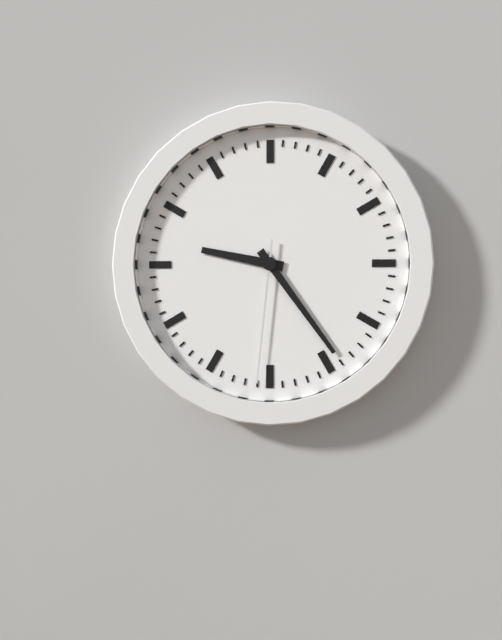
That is 9:24:31
